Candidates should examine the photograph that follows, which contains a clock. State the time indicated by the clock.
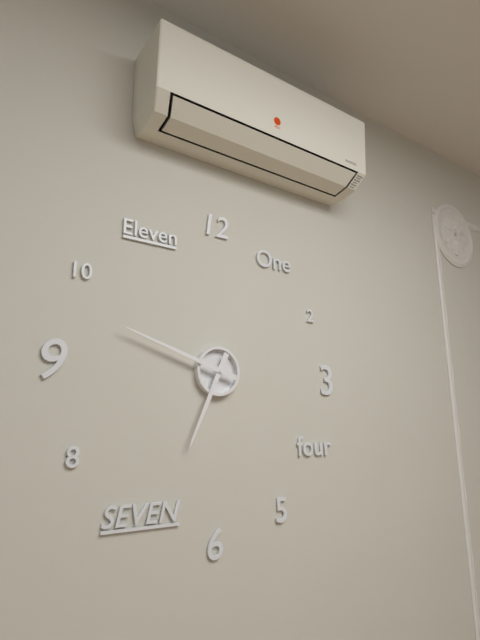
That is 6:48
